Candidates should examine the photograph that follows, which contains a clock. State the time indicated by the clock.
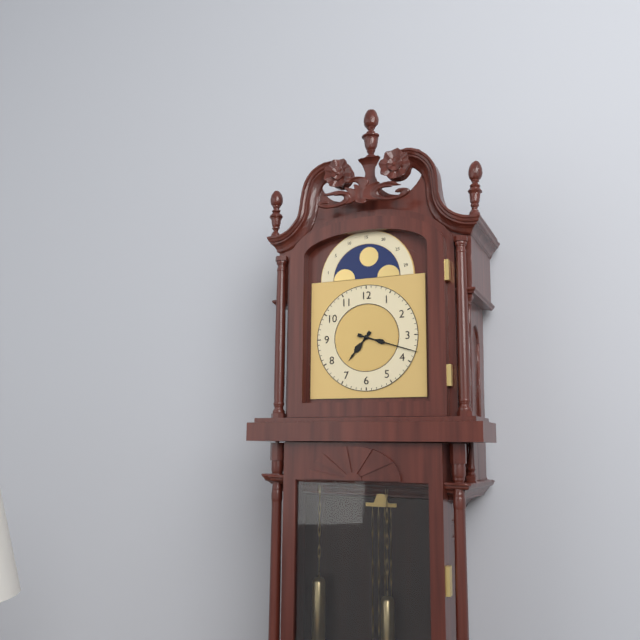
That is 7:18
